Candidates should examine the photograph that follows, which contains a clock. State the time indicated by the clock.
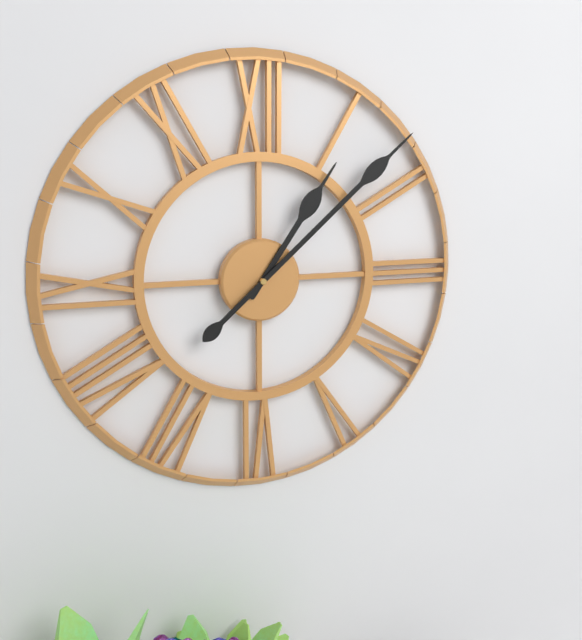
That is 1:08
